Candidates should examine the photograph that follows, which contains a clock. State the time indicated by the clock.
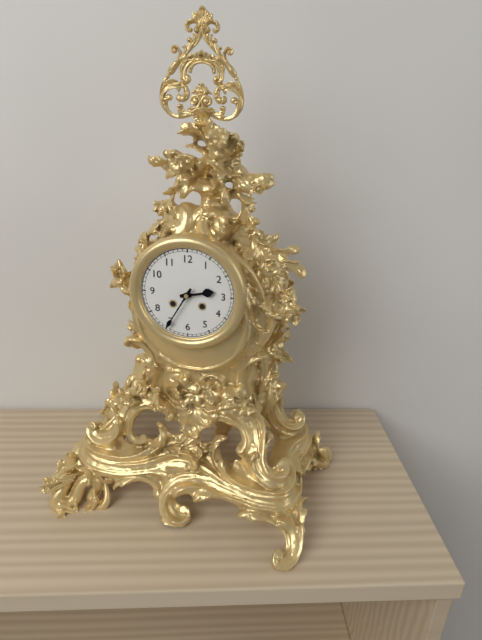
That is 2:35
